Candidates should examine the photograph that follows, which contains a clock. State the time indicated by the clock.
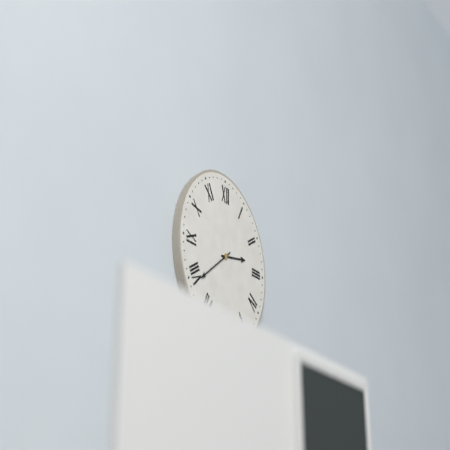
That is 2:39
